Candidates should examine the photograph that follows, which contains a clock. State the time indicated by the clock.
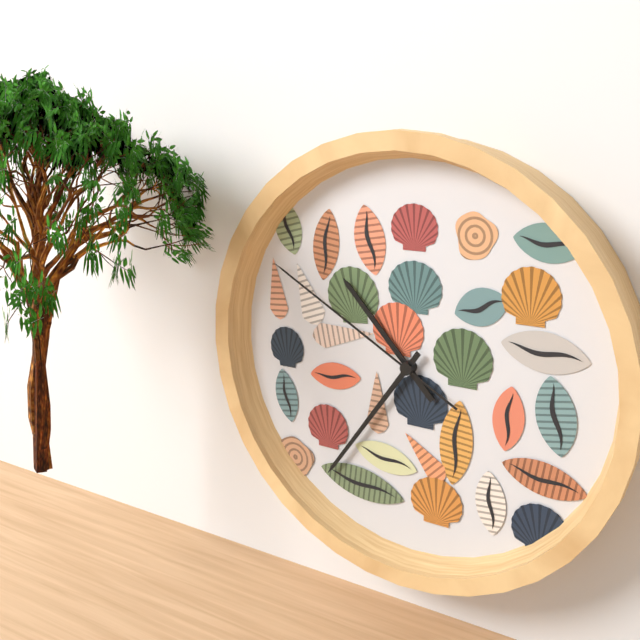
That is 10:36:50
